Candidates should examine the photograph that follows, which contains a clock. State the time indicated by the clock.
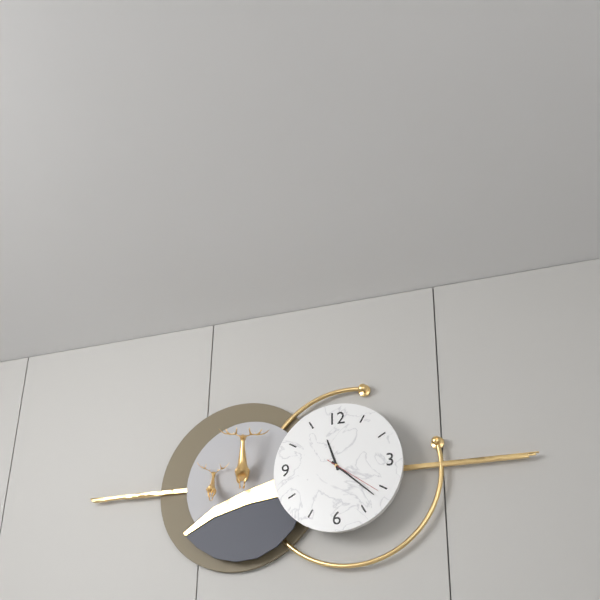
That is 11:22:21
